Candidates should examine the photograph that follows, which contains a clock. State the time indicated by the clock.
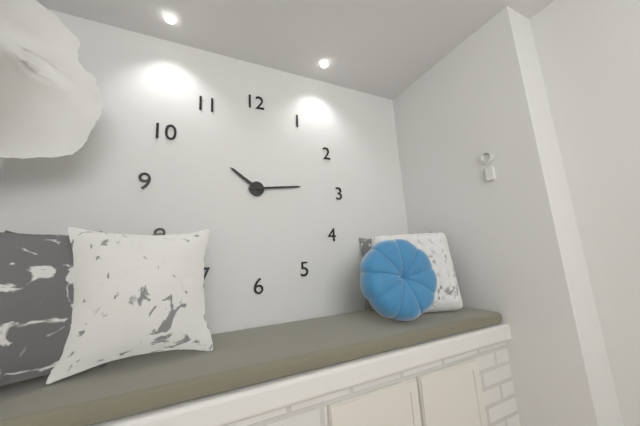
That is 10:14
